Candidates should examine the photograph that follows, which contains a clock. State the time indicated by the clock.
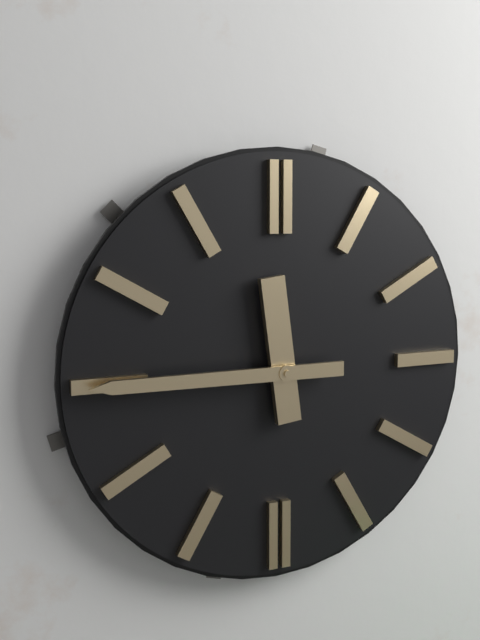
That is 11:45
